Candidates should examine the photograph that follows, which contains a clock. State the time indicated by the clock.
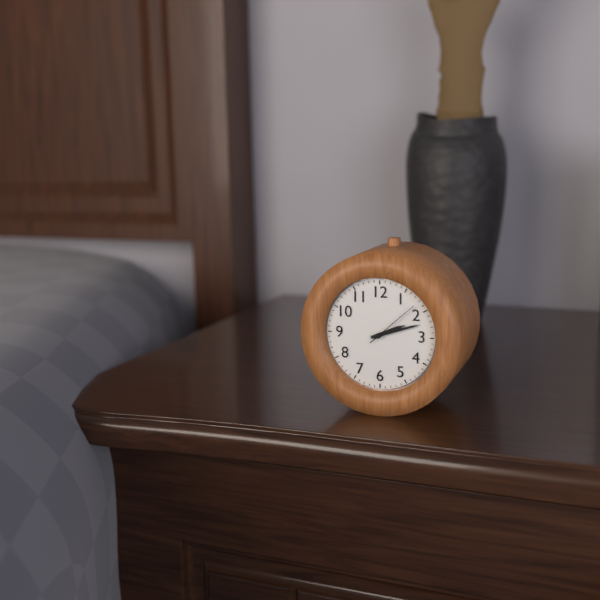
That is 2:12:08
